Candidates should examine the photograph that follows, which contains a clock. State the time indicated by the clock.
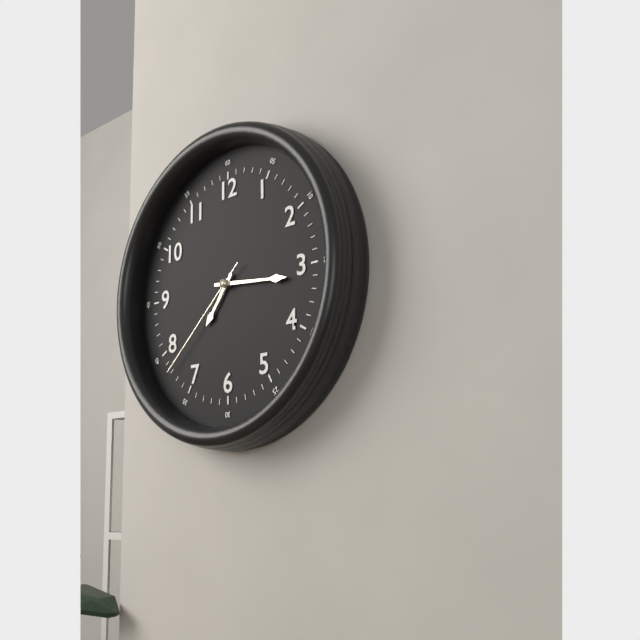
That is 7:16:38
